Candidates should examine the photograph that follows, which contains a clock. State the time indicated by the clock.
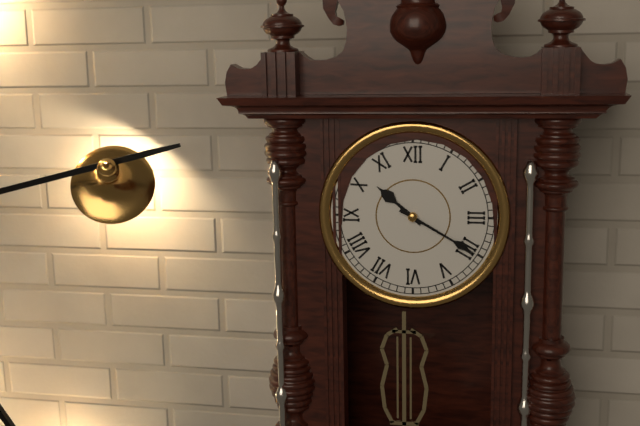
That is 10:20
